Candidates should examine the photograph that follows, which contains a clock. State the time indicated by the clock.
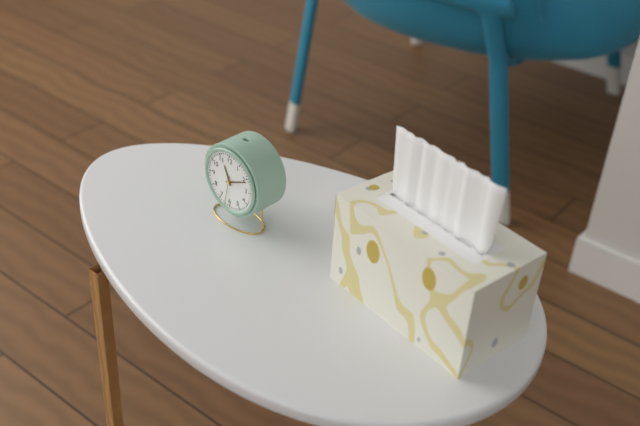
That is 11:11
